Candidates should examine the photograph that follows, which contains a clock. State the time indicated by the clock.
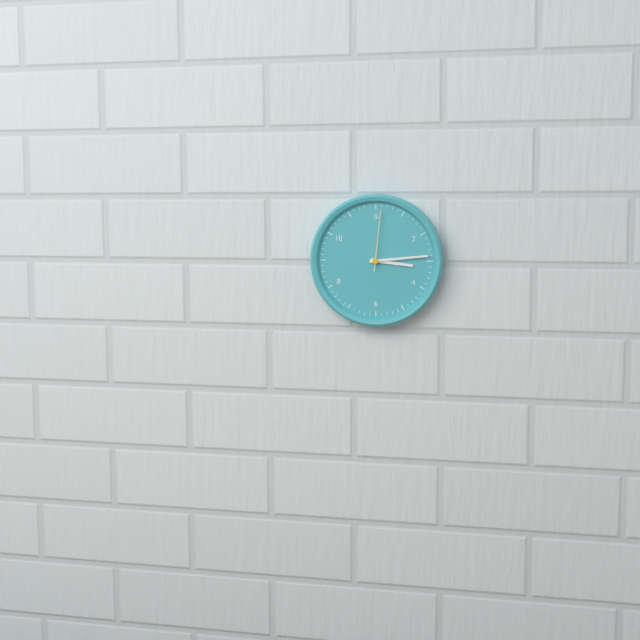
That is 3:14:01
